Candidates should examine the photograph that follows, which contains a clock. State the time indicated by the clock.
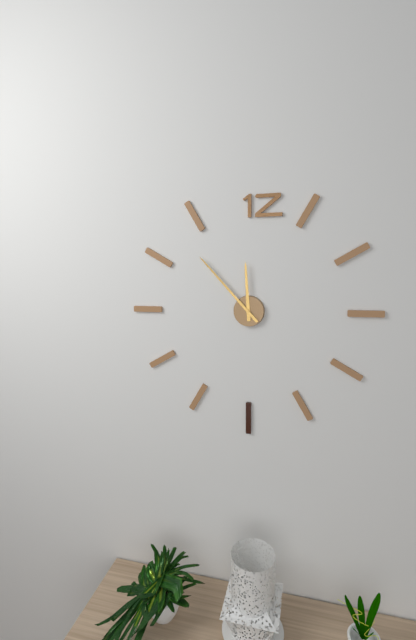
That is 11:53
